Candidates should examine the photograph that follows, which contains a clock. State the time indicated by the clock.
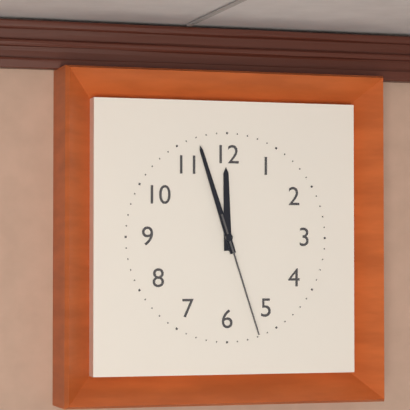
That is 11:57:27
